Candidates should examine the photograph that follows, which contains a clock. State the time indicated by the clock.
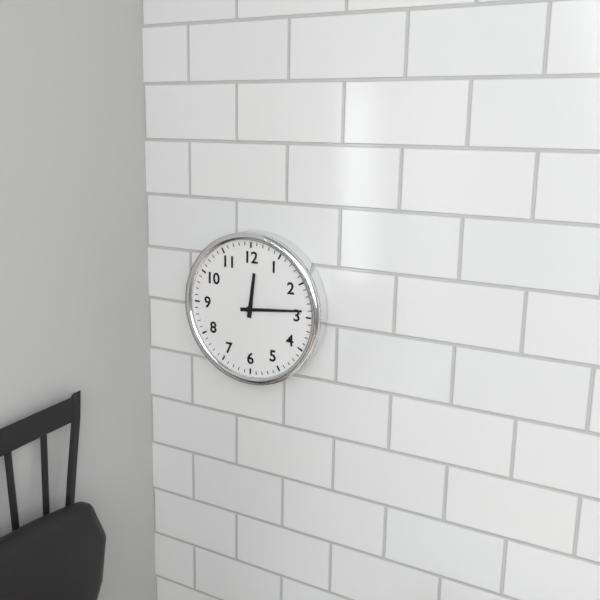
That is 12:14
